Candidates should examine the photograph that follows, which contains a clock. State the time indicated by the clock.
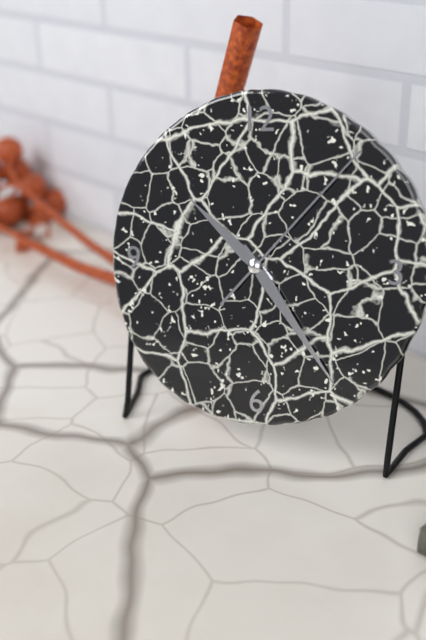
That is 10:24:07
